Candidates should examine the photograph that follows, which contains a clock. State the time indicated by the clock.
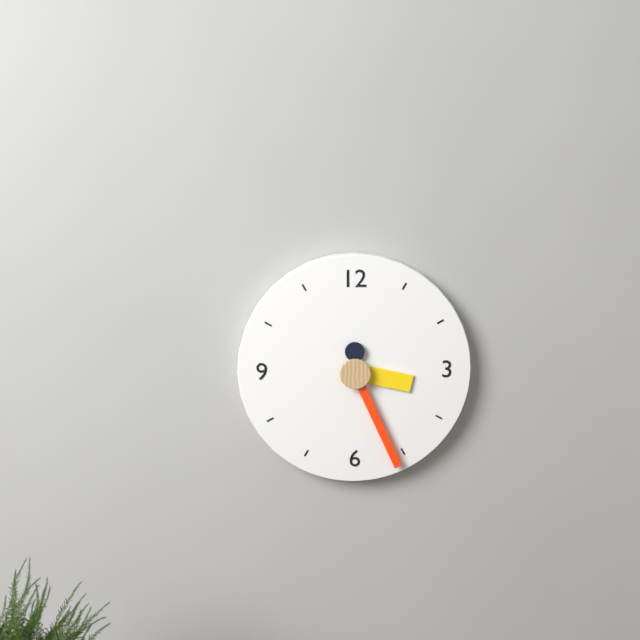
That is 3:26
